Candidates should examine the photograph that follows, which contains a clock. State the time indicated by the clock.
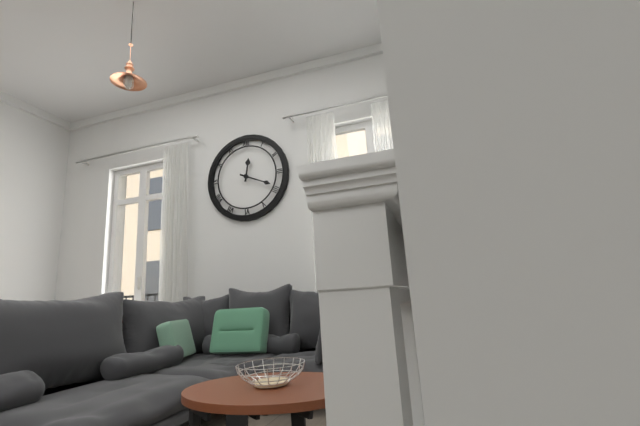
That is 12:19
